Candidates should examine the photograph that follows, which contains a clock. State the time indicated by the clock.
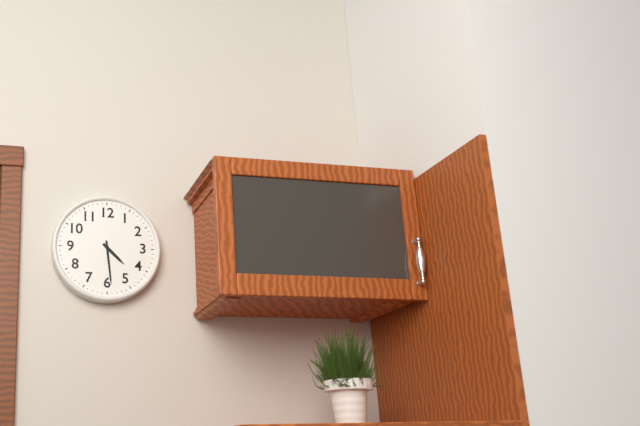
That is 4:29
